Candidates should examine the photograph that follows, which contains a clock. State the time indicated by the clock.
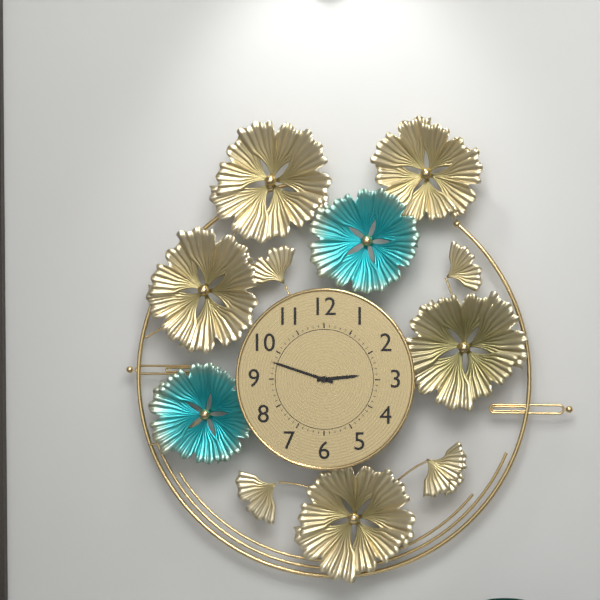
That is 2:48
